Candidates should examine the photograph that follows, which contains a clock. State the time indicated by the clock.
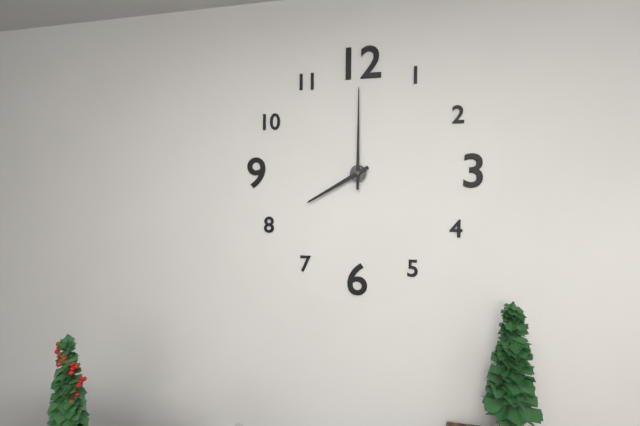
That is 8:00
